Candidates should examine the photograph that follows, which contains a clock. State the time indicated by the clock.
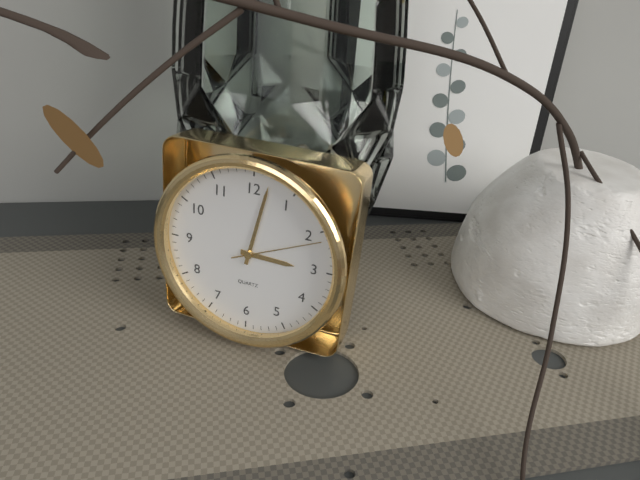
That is 3:02:11
